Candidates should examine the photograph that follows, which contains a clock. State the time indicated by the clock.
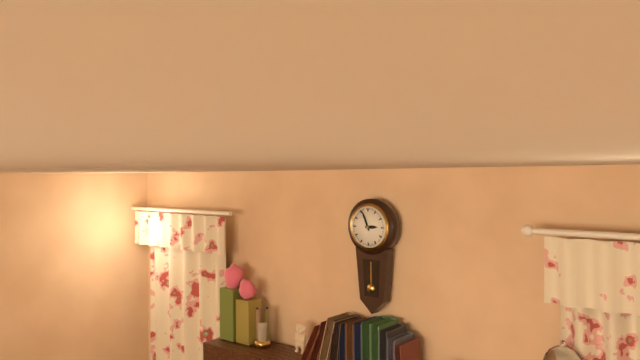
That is 2:56
